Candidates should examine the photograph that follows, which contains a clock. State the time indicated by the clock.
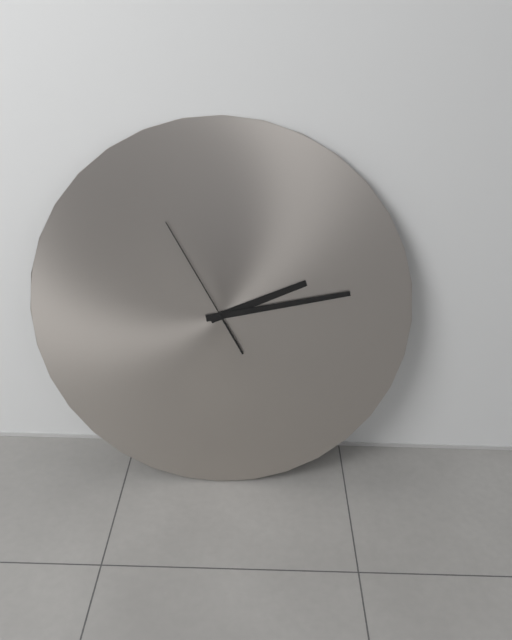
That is 2:13:55
